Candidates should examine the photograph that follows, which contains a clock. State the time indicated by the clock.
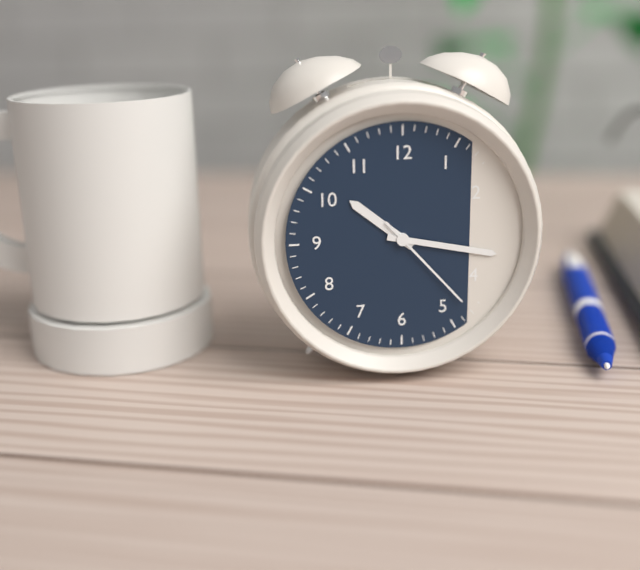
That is 10:17:23
